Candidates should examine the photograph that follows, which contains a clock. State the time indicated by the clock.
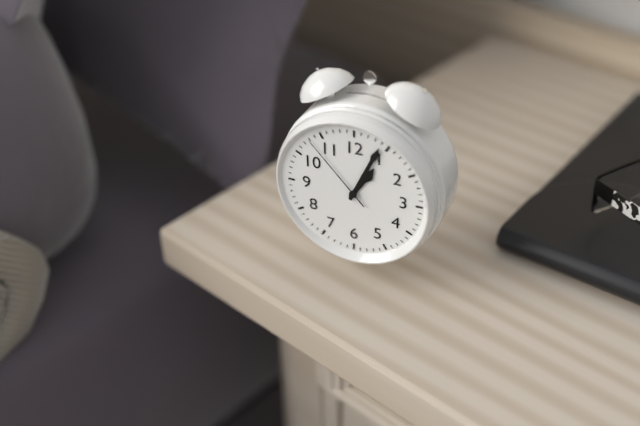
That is 1:04:53
